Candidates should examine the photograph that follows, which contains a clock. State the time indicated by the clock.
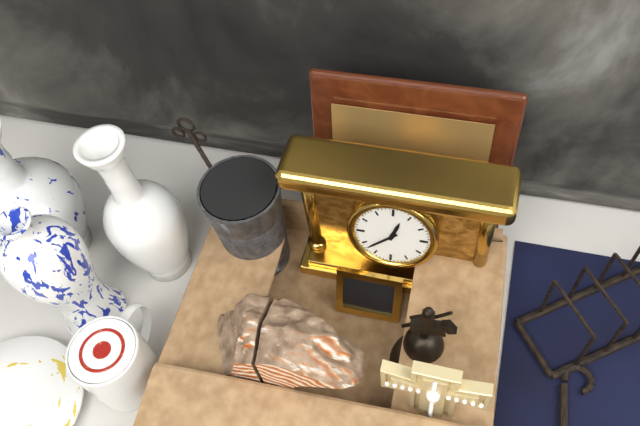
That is 12:38
